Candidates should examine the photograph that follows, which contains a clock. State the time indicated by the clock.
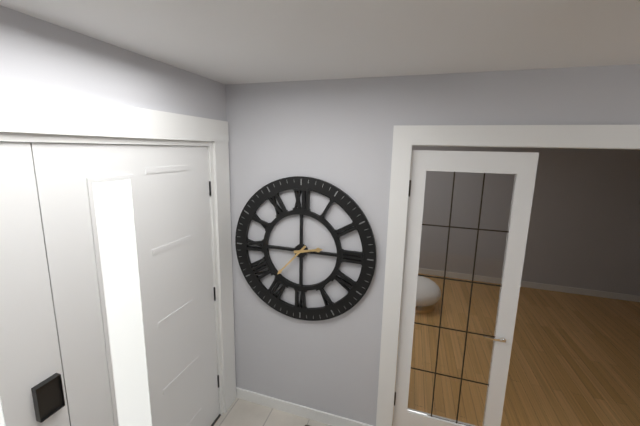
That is 2:37
